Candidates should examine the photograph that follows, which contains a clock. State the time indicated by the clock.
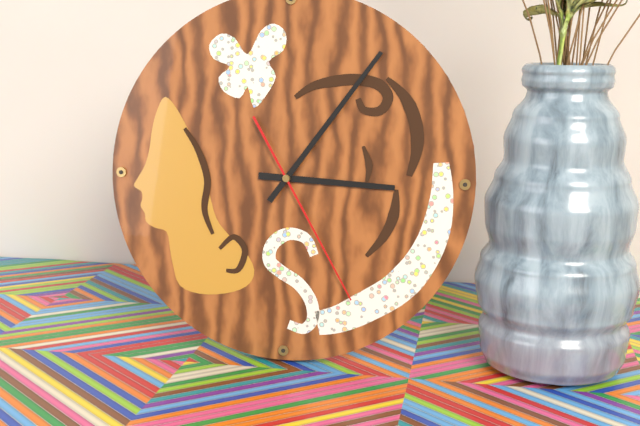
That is 3:06:25
